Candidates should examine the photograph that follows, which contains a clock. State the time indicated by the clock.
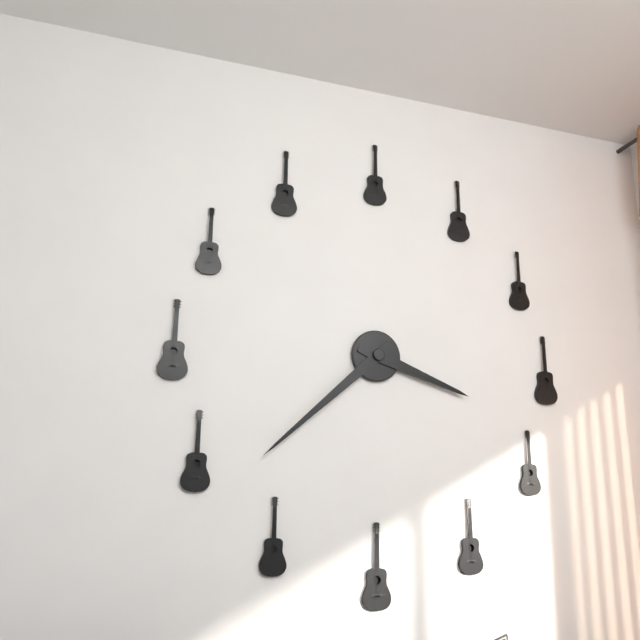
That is 3:38
